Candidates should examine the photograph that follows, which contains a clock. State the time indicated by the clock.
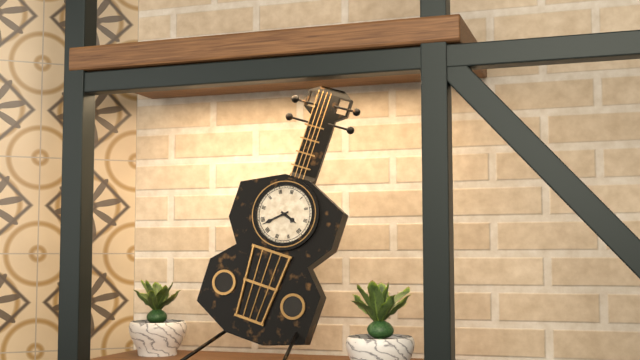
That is 3:38
